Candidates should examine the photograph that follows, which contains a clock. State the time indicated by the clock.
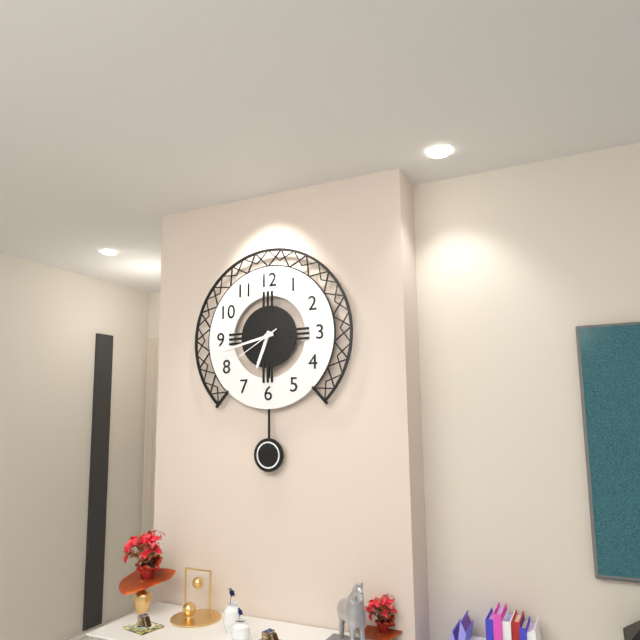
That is 6:43:40
